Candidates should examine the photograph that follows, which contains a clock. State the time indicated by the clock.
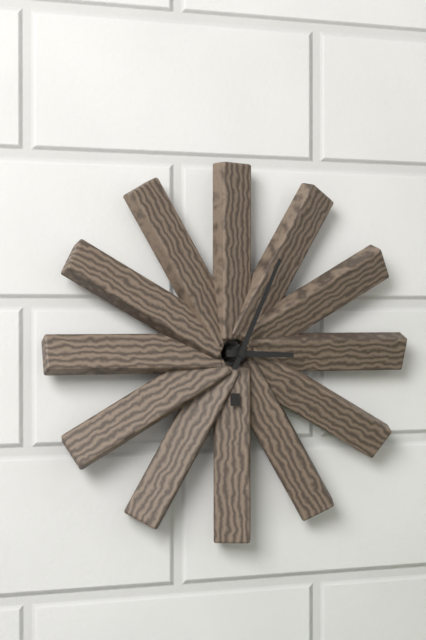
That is 3:04
